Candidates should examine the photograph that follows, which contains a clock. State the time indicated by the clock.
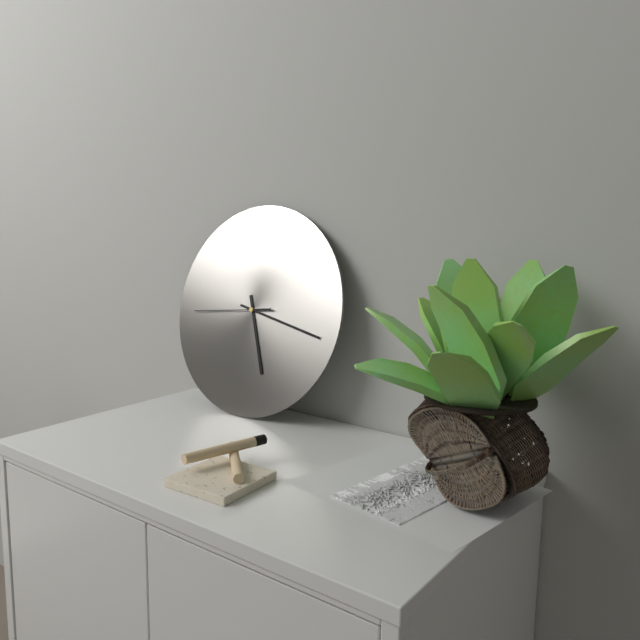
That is 5:17:44
